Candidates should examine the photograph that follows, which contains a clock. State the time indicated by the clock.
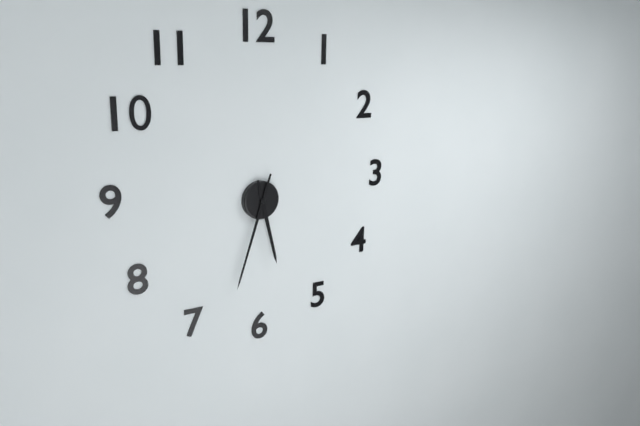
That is 5:33
